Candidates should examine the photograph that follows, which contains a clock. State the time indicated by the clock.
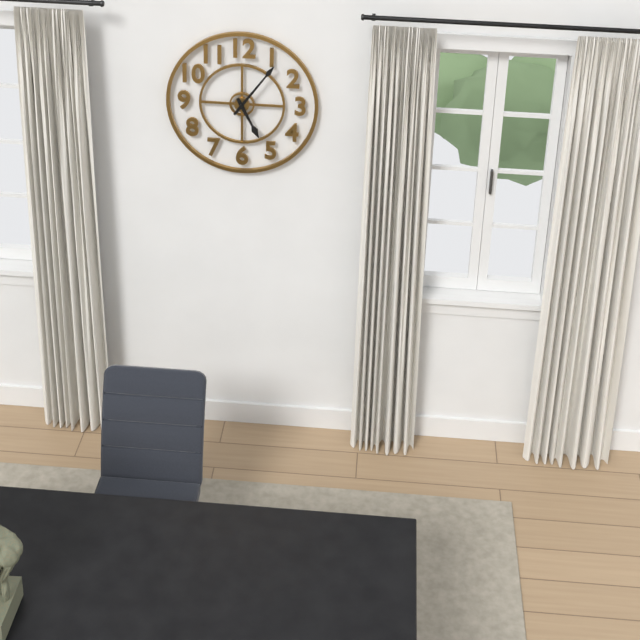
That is 5:06
